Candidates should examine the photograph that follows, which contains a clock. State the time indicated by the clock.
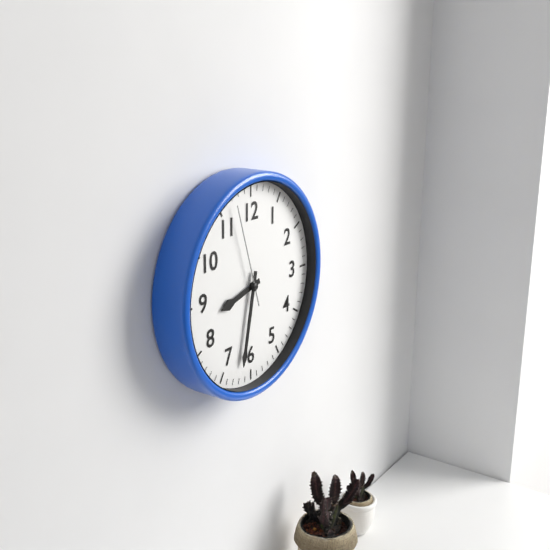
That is 8:32:57
